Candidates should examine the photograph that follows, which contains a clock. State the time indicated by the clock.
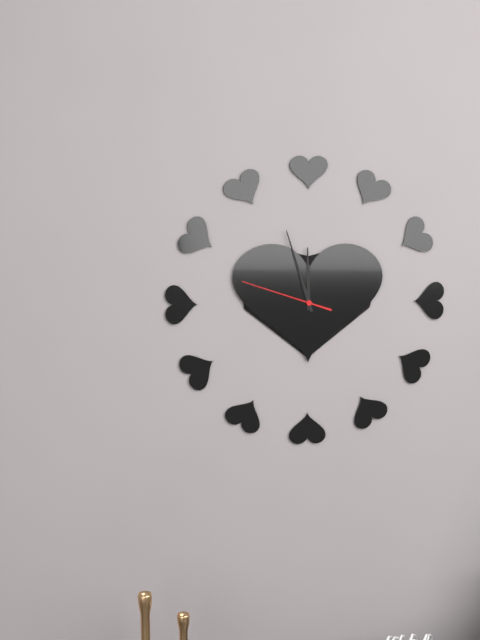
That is 11:57:48
